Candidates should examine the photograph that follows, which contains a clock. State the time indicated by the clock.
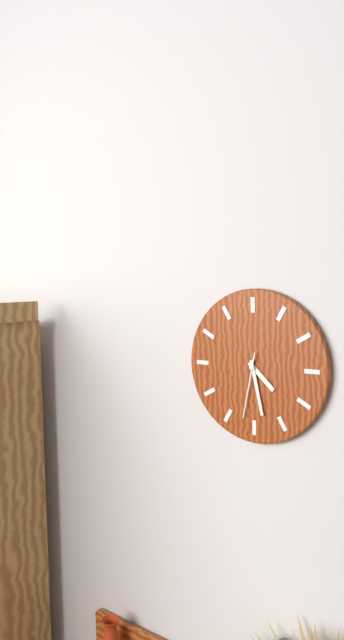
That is 4:28:32
